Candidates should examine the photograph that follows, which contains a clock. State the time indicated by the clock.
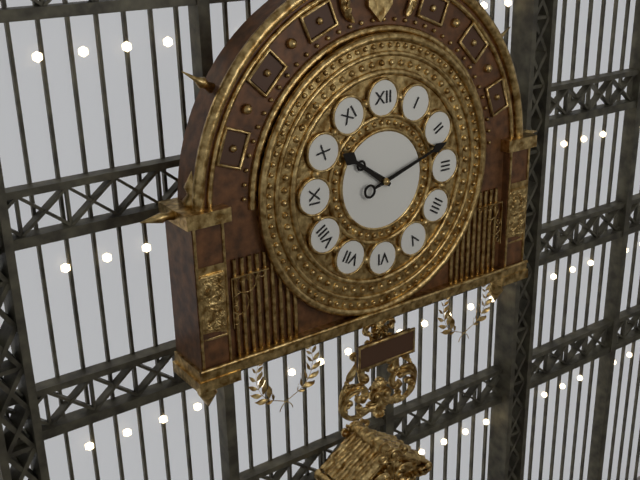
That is 10:12
